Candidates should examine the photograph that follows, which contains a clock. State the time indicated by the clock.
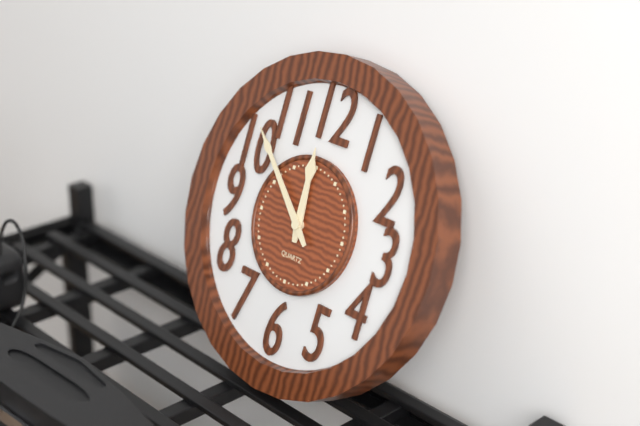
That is 11:52
